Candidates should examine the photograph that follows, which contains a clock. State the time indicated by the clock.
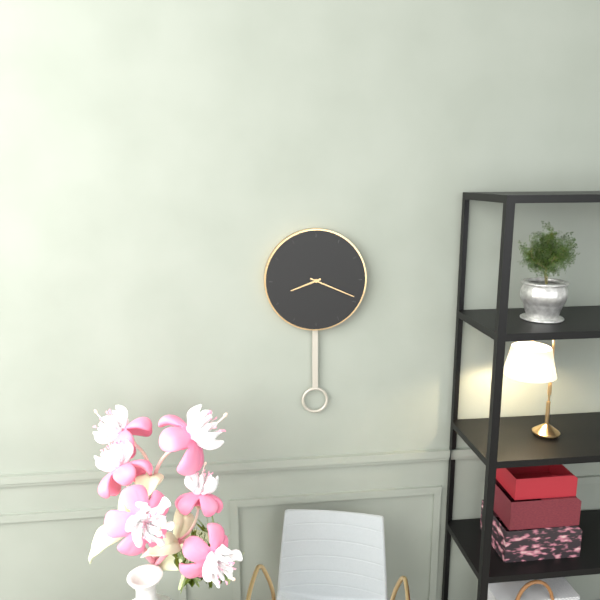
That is 8:19
